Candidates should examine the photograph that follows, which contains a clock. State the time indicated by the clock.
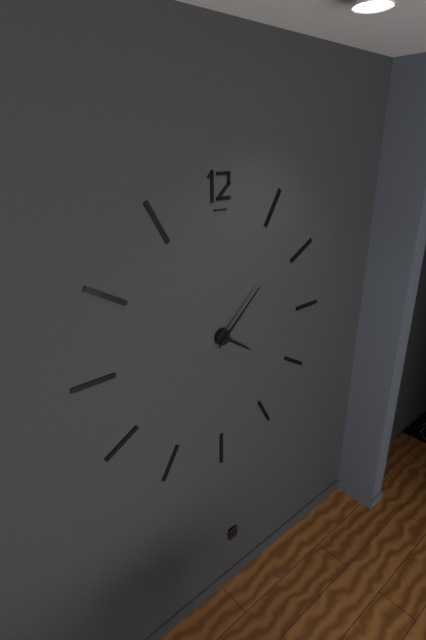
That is 4:08
